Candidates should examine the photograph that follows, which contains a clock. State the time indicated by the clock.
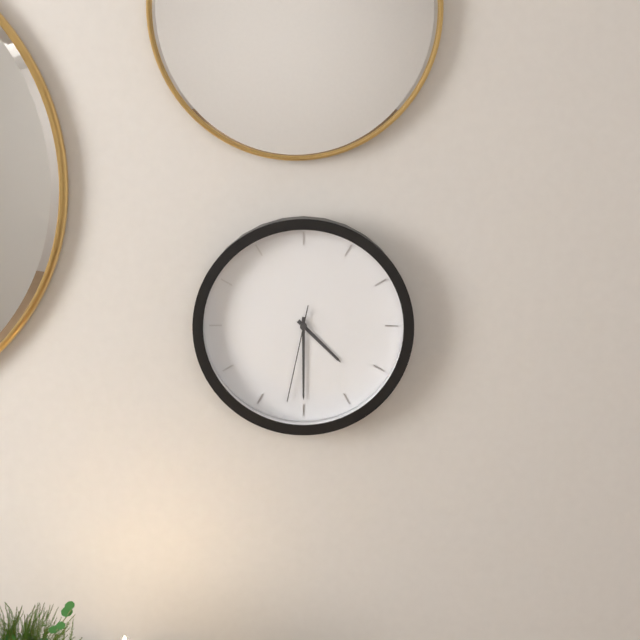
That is 4:30:32
